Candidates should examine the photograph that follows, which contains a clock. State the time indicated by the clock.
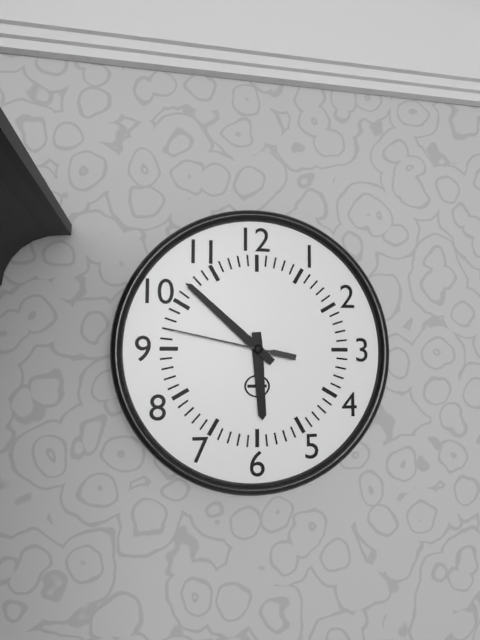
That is 5:52:47
